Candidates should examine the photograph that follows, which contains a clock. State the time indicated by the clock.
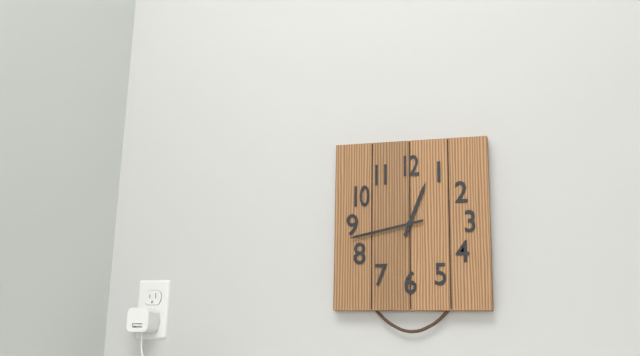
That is 12:43
